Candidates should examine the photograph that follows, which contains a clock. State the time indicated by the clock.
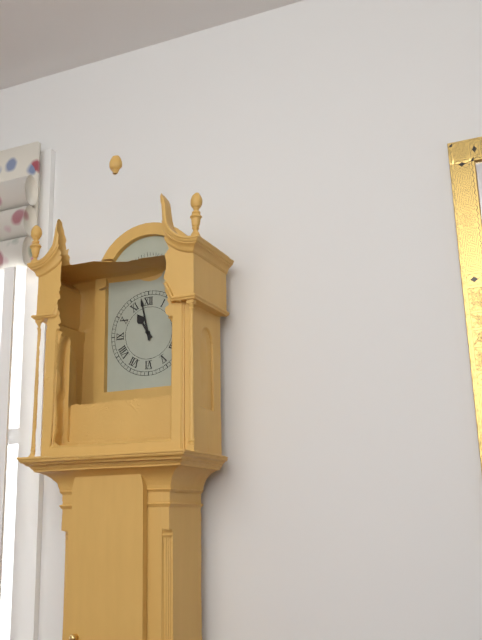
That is 10:58
